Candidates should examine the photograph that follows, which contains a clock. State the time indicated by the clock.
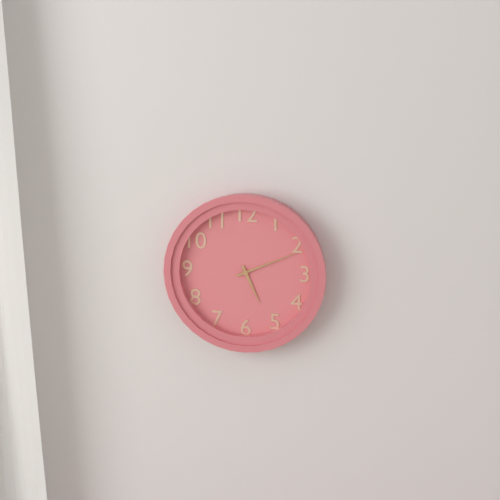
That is 5:11
